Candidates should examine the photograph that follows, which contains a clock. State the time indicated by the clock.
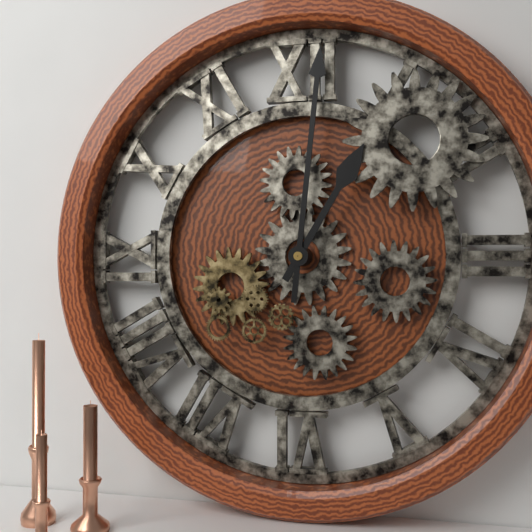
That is 1:01
